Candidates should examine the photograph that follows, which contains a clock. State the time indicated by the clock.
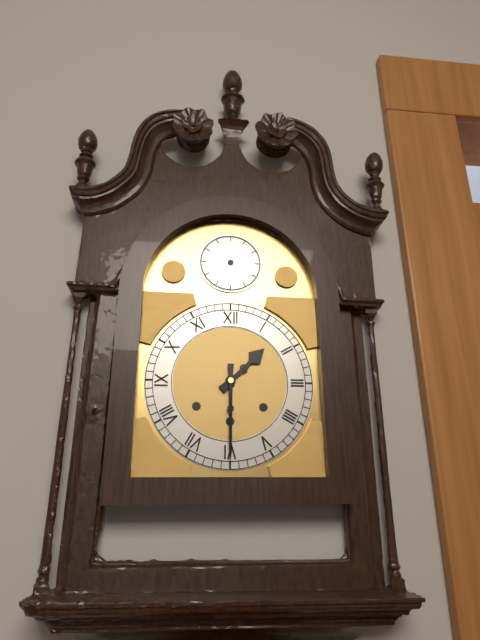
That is 1:30
